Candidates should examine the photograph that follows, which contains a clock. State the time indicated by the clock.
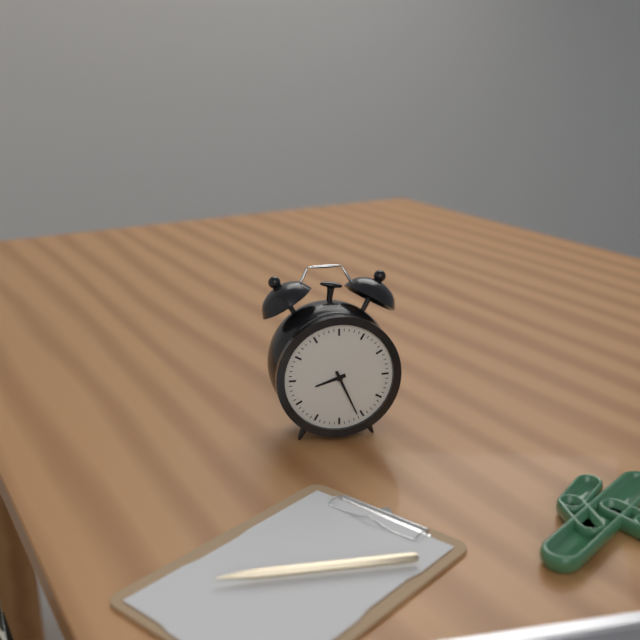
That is 8:26
